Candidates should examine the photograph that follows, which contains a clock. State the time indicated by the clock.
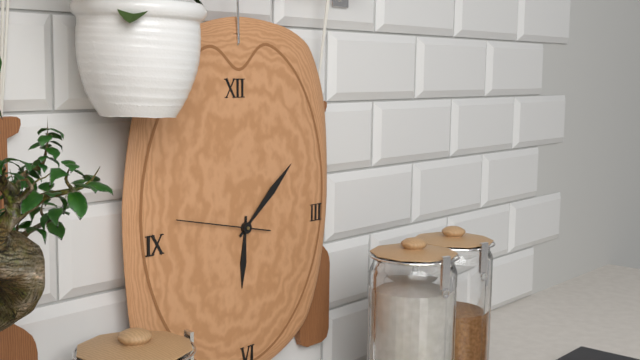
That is 6:08:47
